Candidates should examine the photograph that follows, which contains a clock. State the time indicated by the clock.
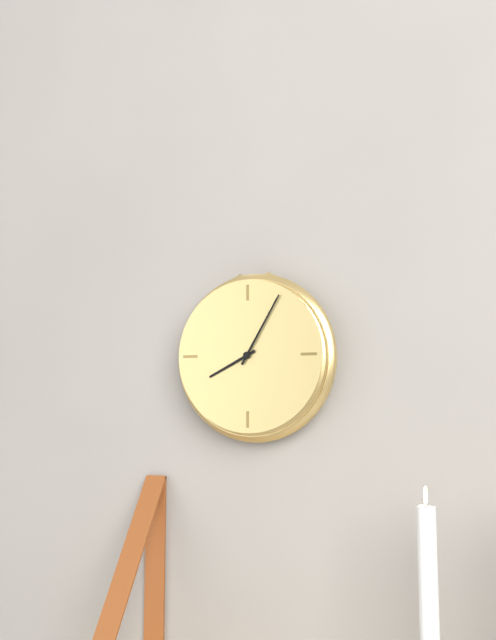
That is 8:05
